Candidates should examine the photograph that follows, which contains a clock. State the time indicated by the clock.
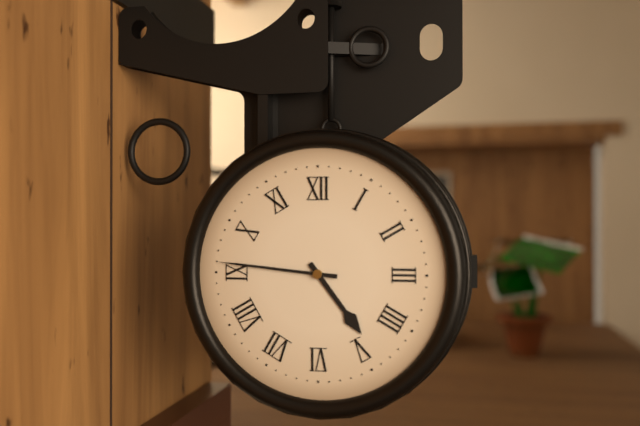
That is 4:46
